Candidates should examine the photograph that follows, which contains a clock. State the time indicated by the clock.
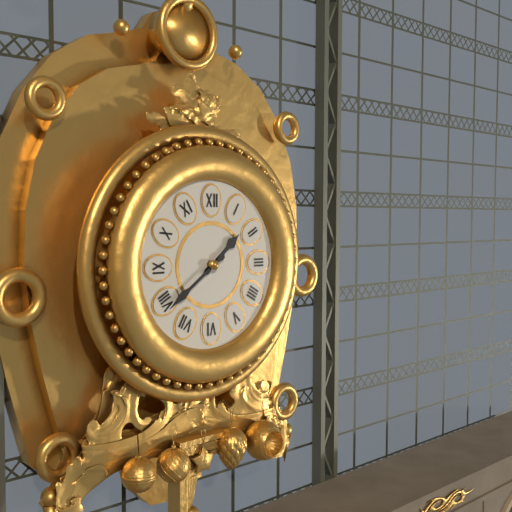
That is 1:39
